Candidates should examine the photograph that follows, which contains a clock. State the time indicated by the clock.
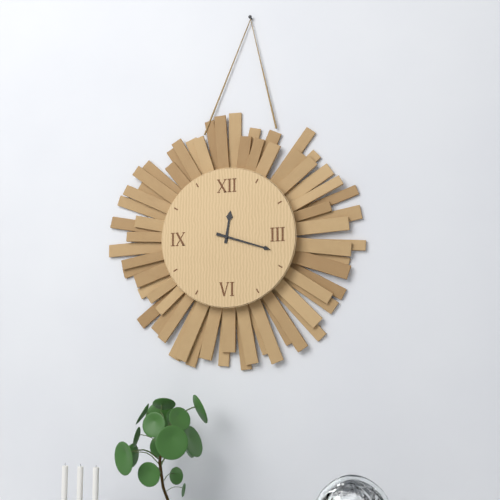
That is 12:18
